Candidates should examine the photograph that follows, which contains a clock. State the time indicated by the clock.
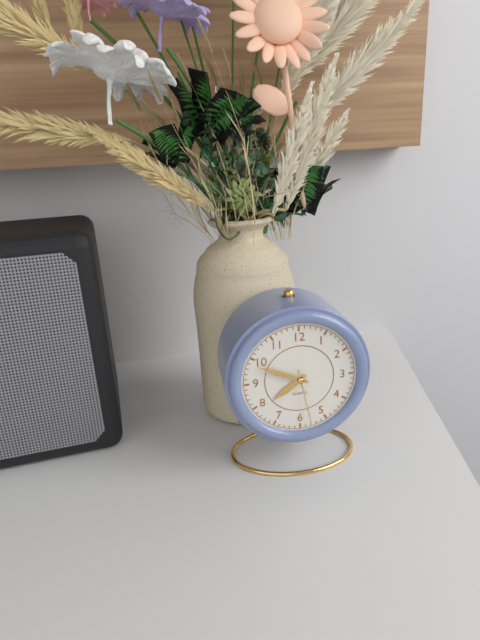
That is 7:49:28
